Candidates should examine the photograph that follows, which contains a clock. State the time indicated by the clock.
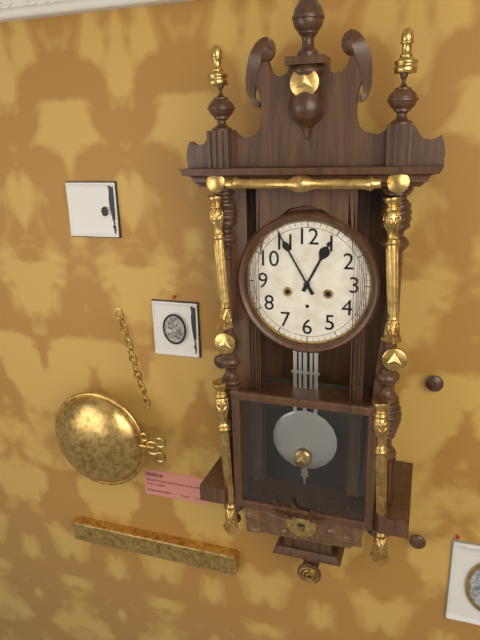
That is 12:55
